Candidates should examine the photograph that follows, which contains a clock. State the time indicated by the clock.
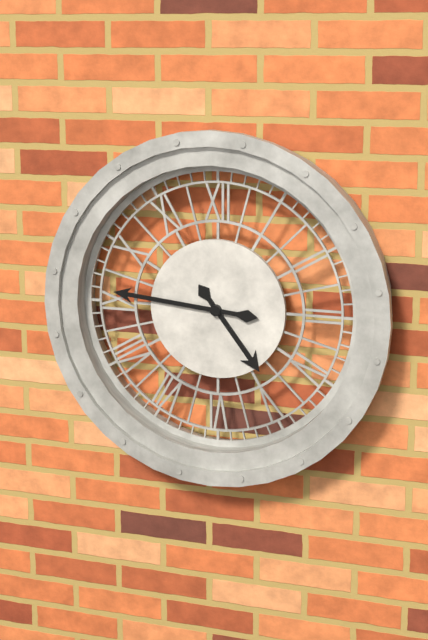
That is 4:46
